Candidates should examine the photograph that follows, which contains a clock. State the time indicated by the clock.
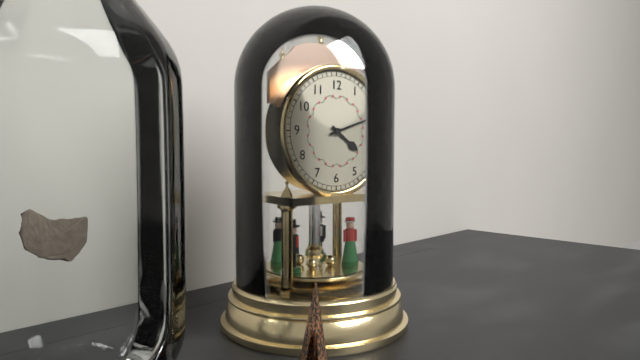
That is 4:12
